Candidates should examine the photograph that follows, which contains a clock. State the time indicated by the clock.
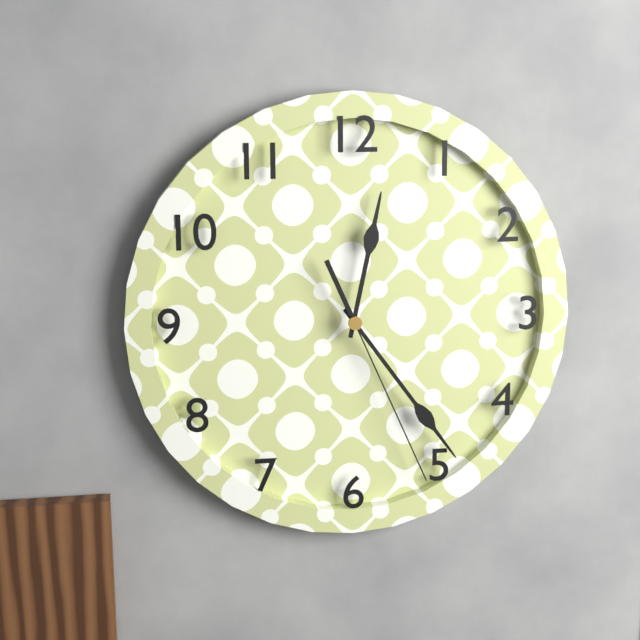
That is 12:24:26
